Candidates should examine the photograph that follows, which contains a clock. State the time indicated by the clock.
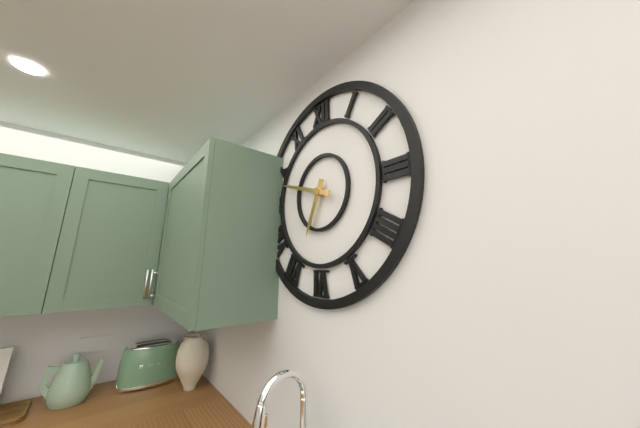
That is 6:48
